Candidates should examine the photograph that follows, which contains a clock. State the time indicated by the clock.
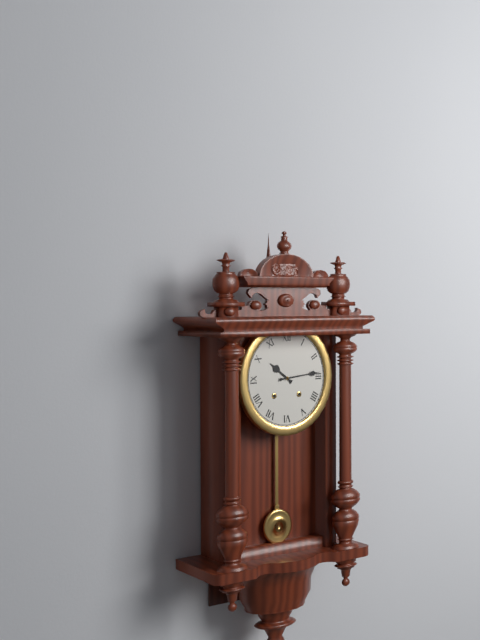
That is 10:14
